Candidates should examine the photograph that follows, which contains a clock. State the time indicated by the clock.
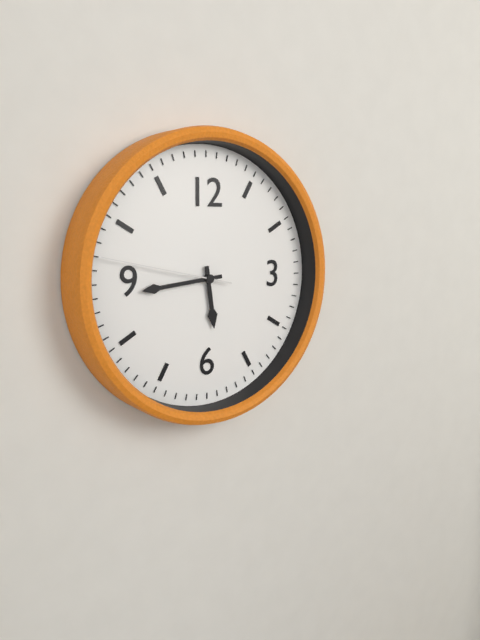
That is 5:44:47
